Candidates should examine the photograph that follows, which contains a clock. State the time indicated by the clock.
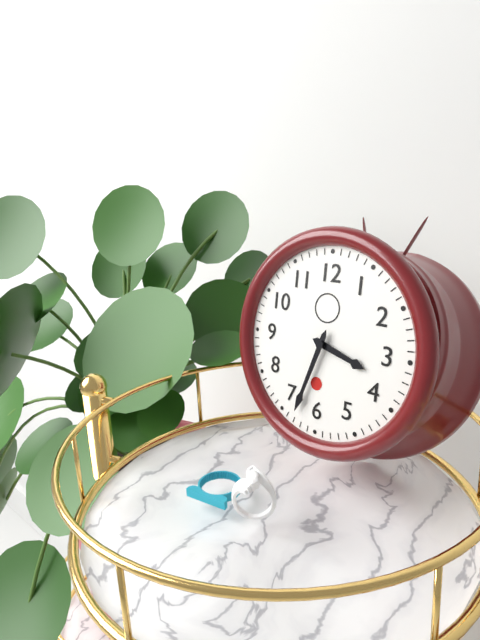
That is 3:33
